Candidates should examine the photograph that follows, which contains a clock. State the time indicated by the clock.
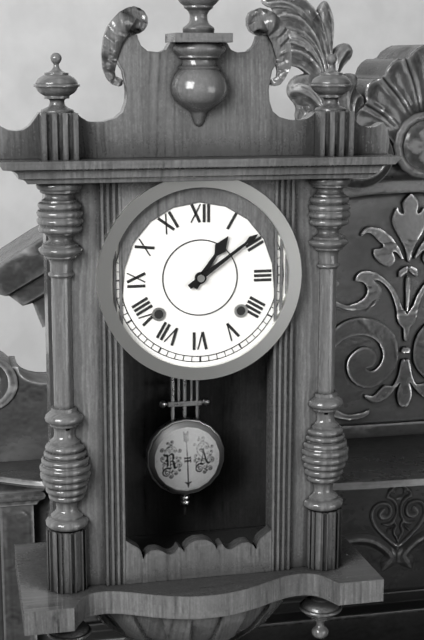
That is 1:09
